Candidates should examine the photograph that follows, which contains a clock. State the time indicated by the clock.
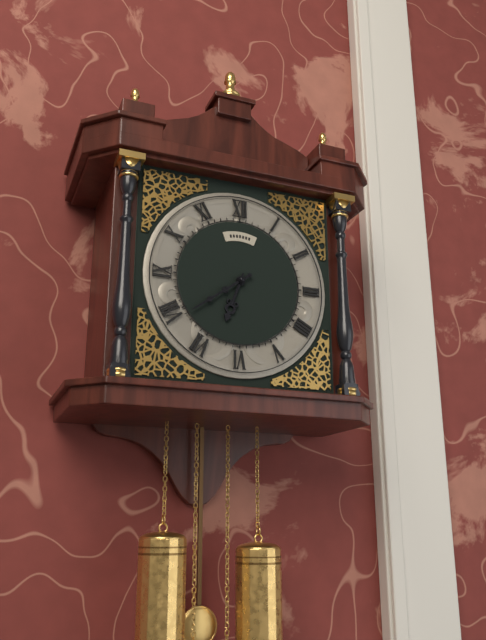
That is 6:39
